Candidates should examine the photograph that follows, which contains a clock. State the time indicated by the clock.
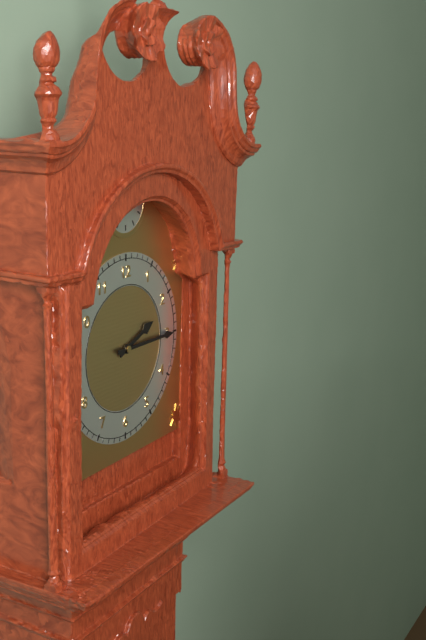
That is 2:15
